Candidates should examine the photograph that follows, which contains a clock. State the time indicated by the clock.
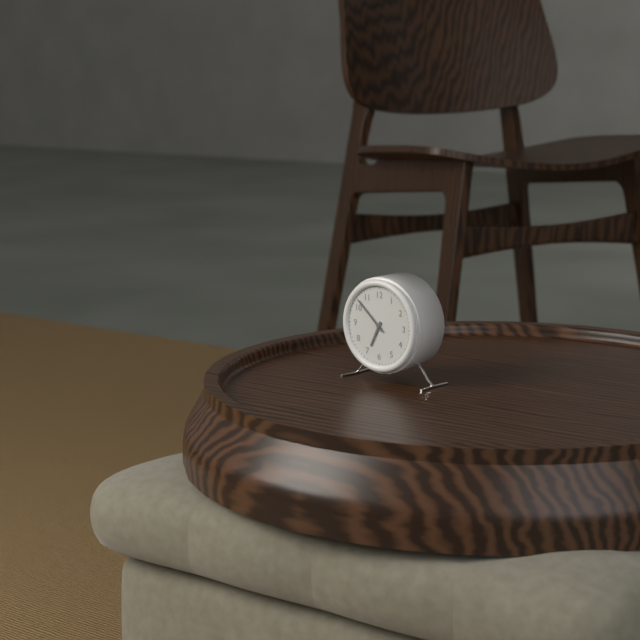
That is 6:52
